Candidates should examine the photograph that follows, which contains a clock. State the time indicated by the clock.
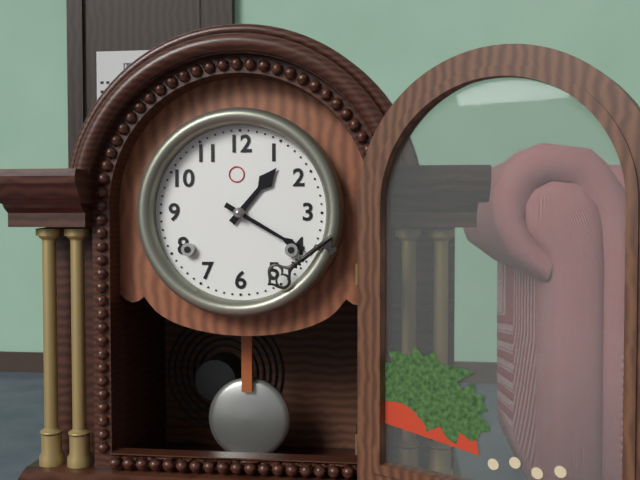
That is 1:20
